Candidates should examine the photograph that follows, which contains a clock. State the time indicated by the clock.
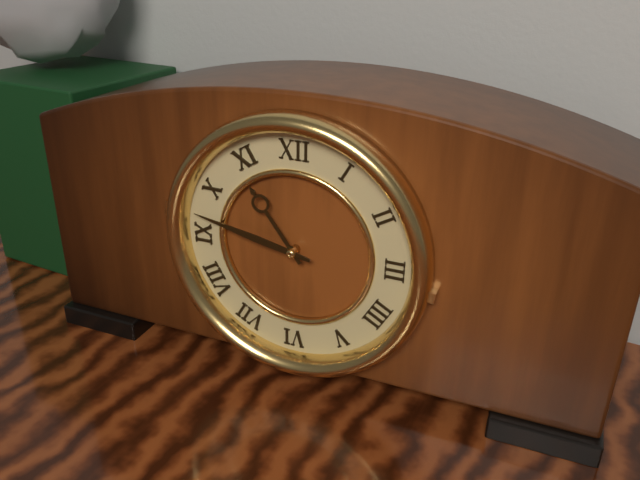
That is 10:47
